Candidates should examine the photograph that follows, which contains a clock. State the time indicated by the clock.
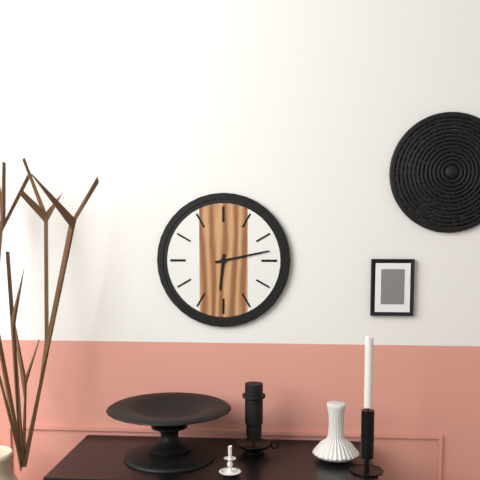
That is 6:13
